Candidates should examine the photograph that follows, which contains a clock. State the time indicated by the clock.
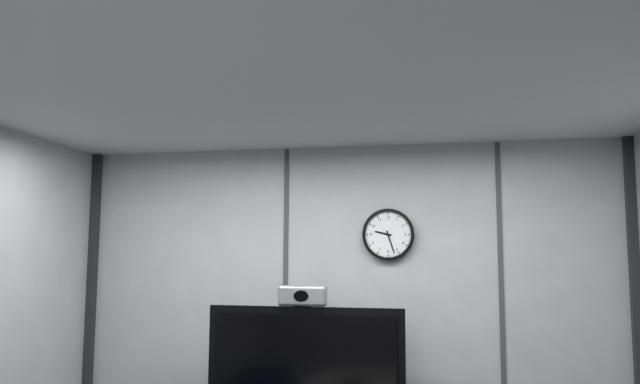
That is 9:27
